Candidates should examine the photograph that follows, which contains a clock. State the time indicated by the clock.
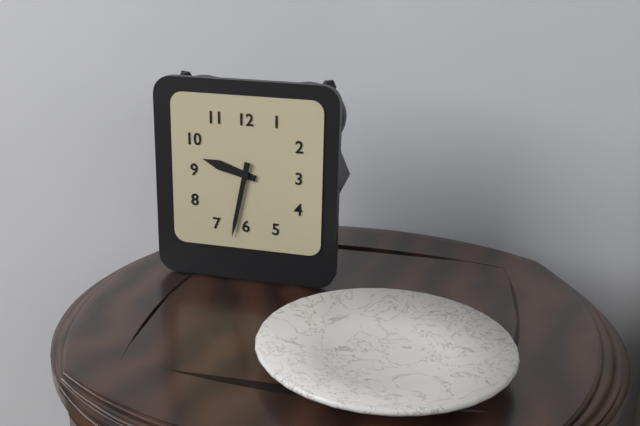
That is 9:32
